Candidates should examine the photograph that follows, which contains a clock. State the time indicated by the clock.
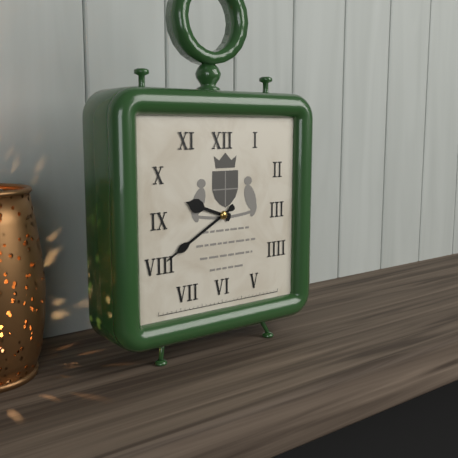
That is 9:40
